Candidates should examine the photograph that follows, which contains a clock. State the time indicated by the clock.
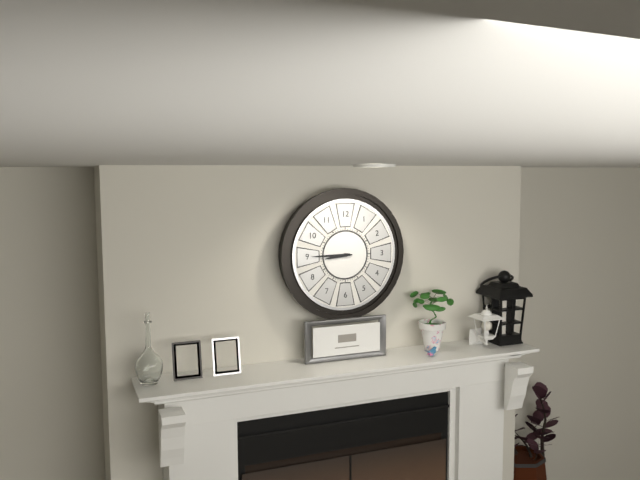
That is 8:45
